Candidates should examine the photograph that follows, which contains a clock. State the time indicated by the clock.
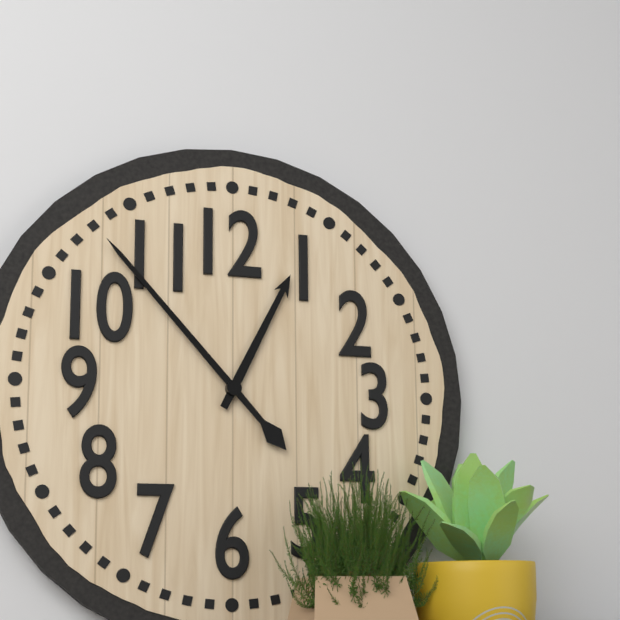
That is 12:53
